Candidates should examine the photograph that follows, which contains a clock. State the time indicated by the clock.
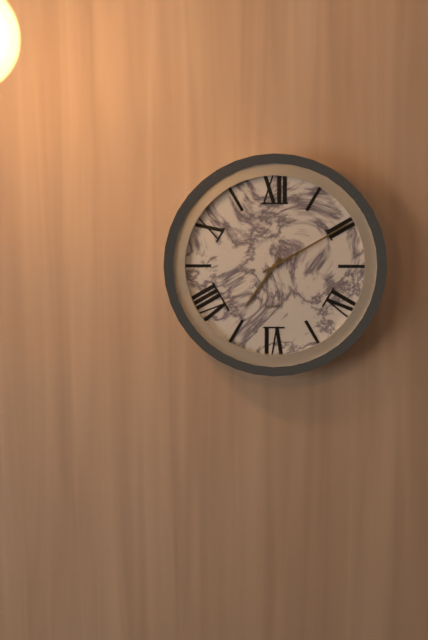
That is 7:10
